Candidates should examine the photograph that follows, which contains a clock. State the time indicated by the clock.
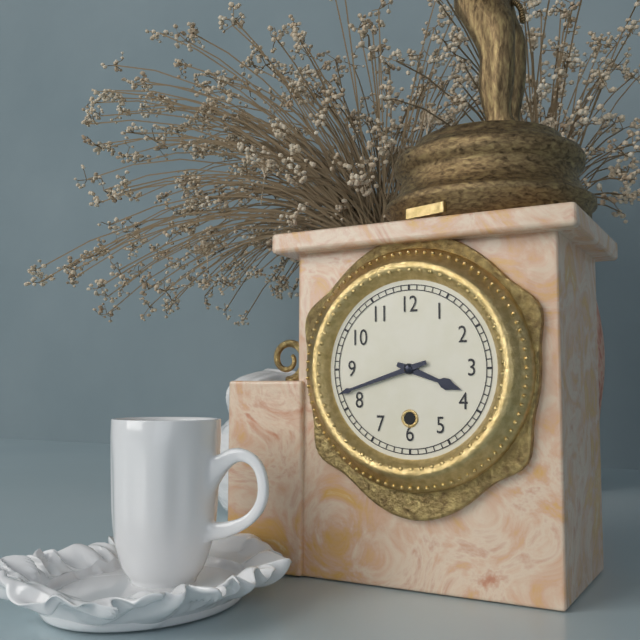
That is 3:42
